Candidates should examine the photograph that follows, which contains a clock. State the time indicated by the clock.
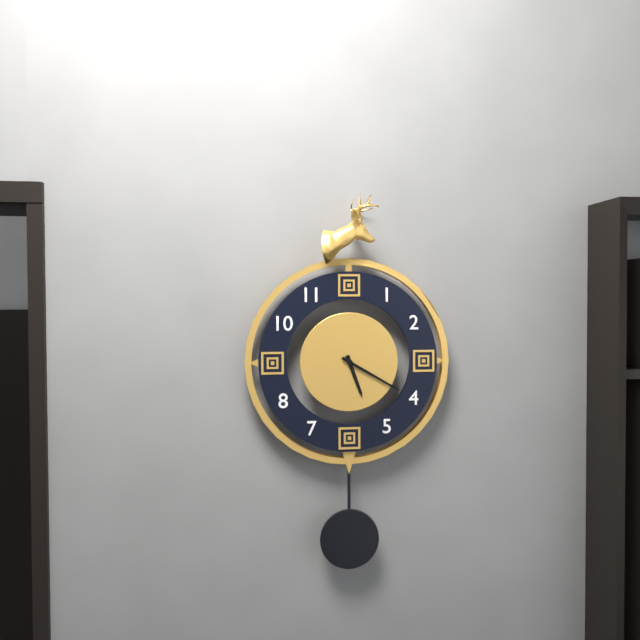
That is 5:20
